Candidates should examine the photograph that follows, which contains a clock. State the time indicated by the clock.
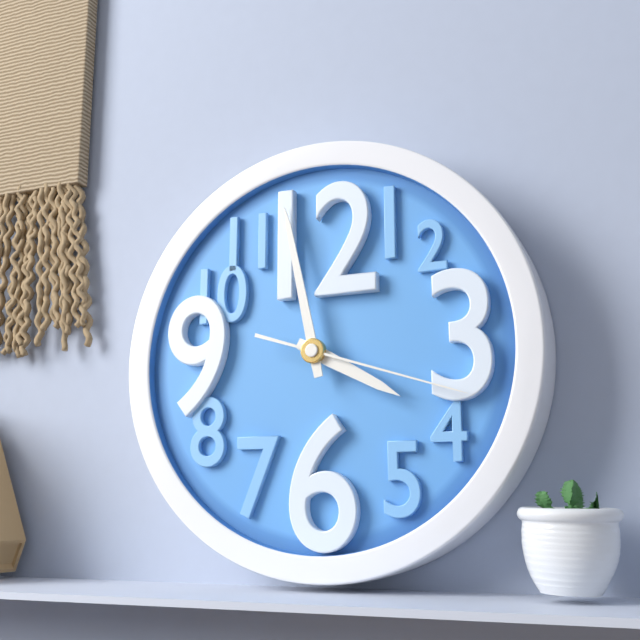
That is 3:58:18
